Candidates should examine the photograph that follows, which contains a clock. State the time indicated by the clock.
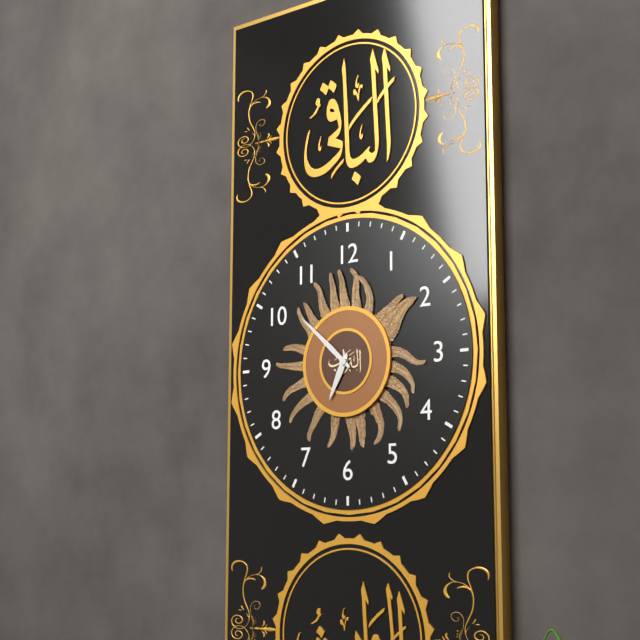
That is 6:52
